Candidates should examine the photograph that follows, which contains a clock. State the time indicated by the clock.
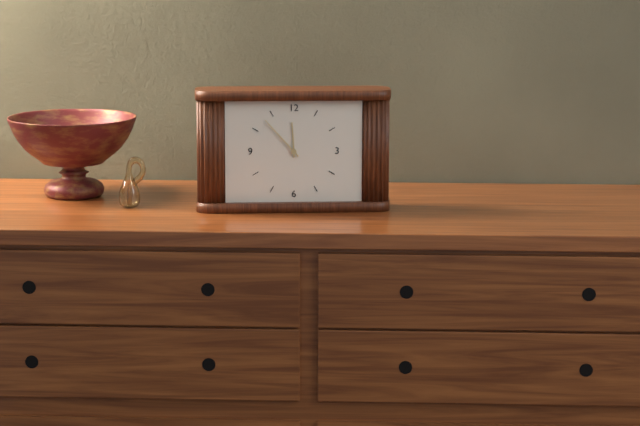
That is 11:53
